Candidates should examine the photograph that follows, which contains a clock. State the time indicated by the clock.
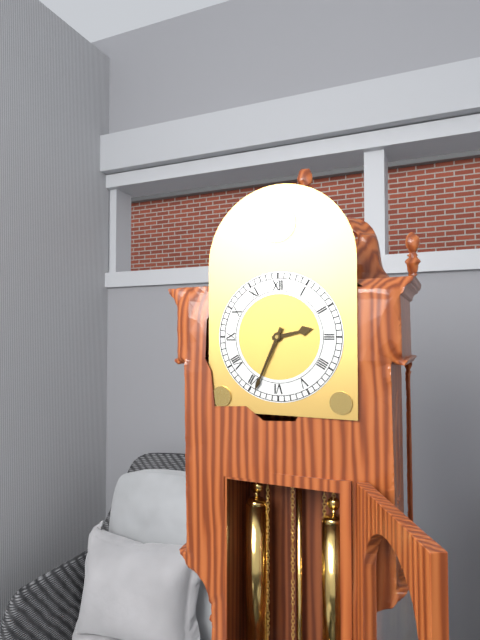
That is 2:34
